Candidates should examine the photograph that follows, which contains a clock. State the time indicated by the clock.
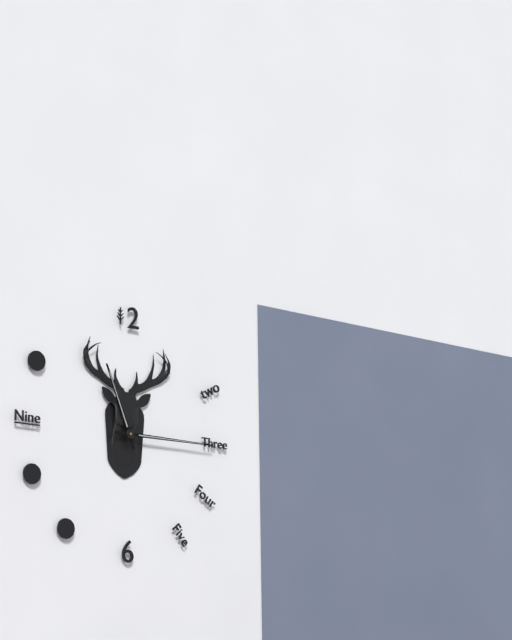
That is 11:15
